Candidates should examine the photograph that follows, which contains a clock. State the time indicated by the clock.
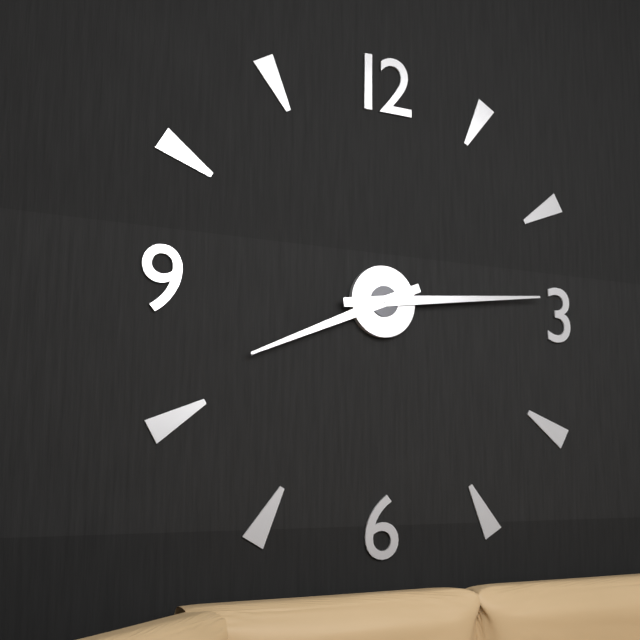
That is 8:14
